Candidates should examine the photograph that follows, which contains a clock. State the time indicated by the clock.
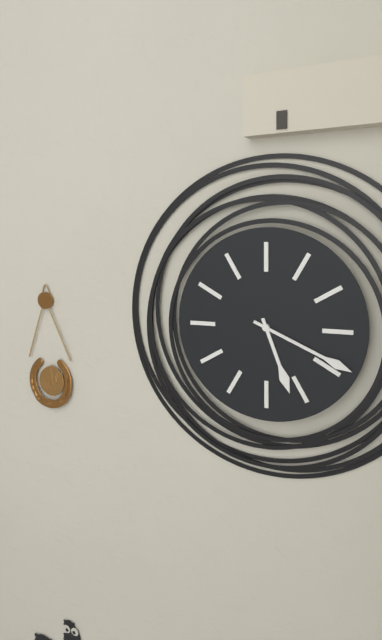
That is 5:19
